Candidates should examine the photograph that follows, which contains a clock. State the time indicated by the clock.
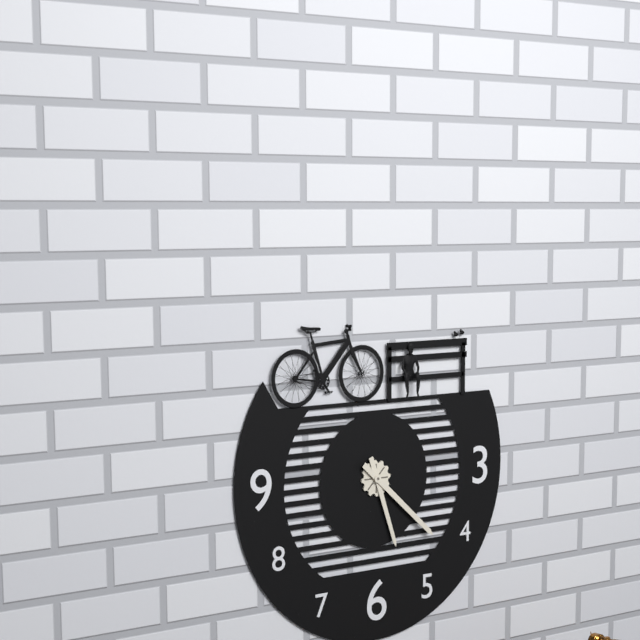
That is 5:22
